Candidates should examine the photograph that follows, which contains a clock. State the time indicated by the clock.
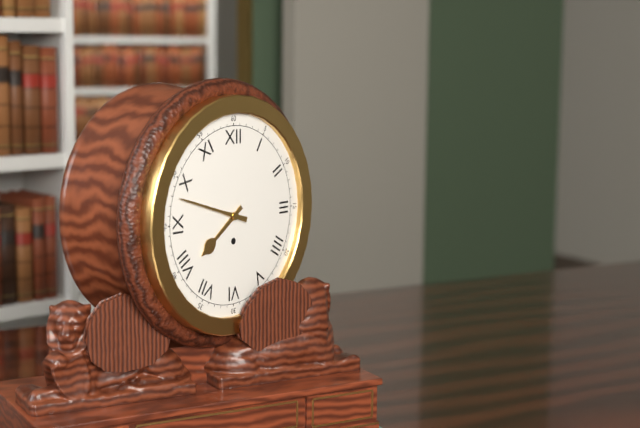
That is 7:48
